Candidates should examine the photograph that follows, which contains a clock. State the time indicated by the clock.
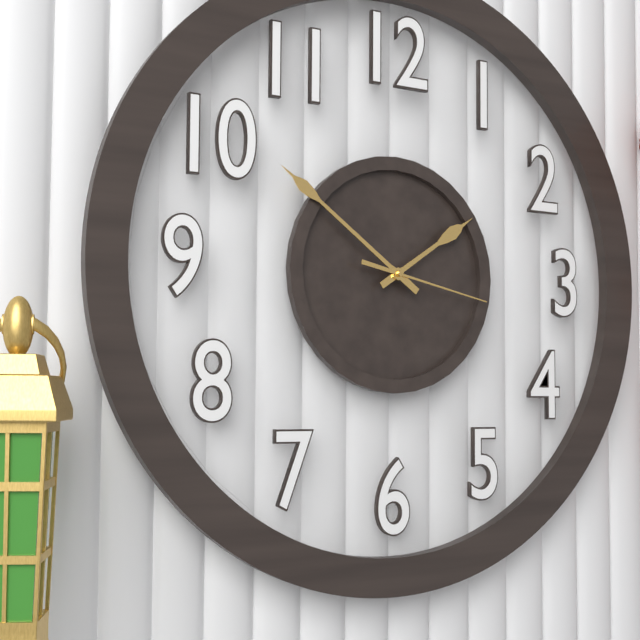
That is 1:51:17
